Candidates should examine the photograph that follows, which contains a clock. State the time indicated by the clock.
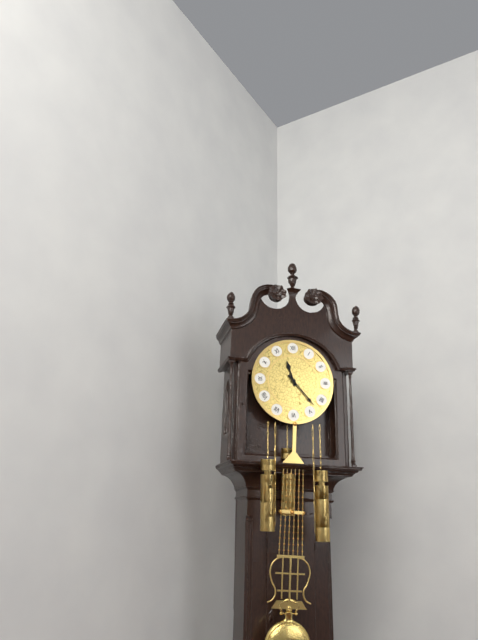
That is 11:23
